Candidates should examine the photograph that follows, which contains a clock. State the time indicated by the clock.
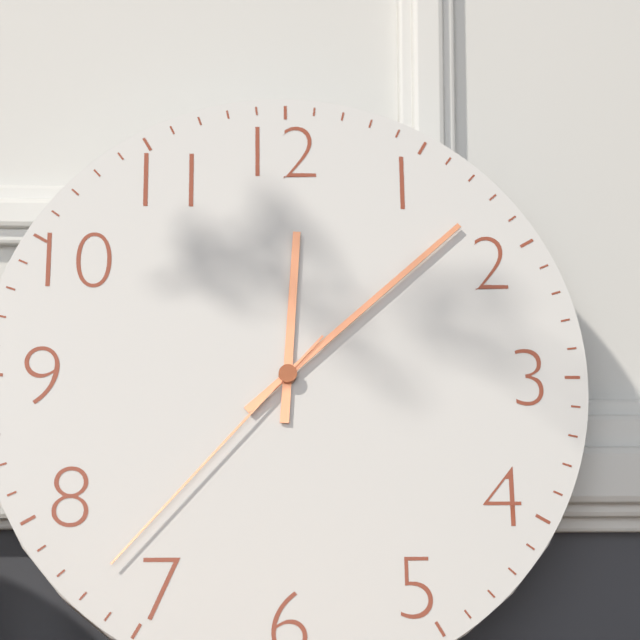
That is 12:08:37
